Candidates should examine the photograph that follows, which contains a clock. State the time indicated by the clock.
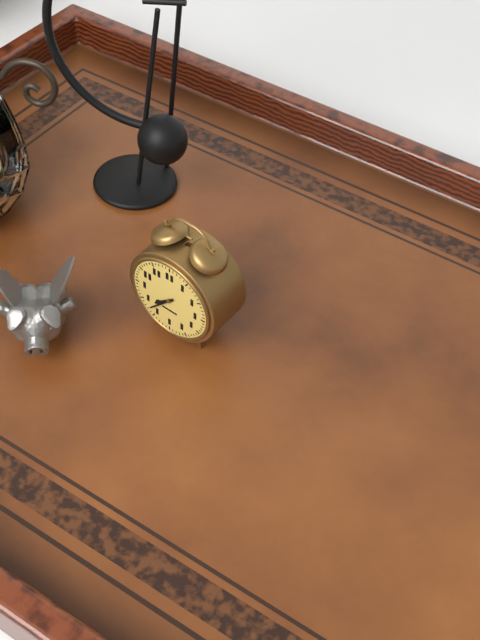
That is 7:37
